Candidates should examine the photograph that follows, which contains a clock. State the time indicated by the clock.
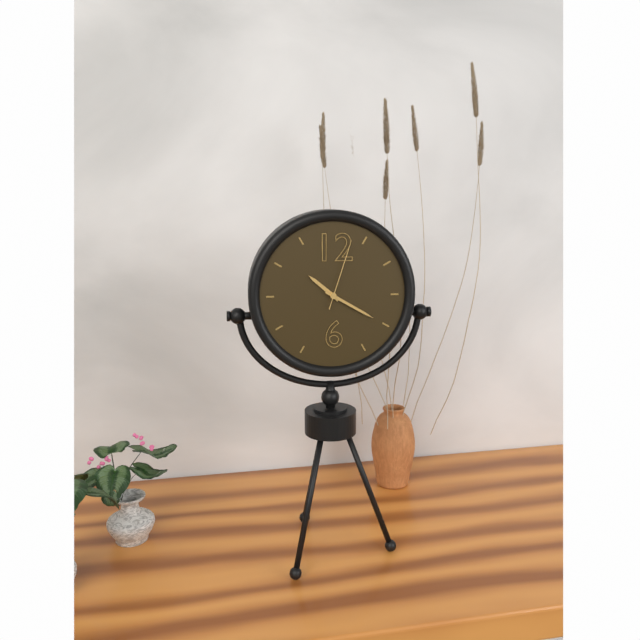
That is 10:20:03
